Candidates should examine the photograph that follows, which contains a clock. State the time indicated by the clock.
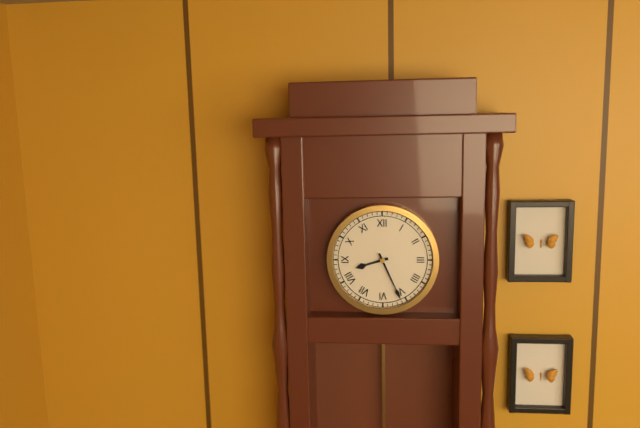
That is 8:26
